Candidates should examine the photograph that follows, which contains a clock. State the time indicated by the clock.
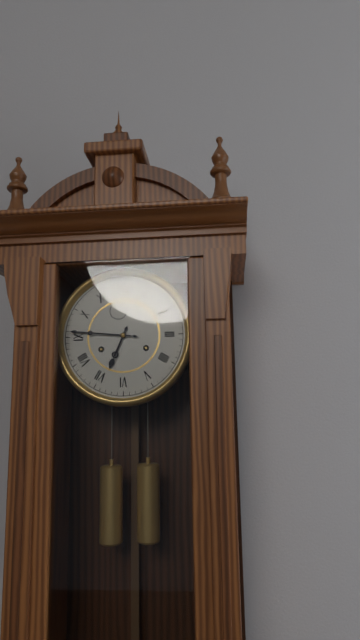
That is 6:46
